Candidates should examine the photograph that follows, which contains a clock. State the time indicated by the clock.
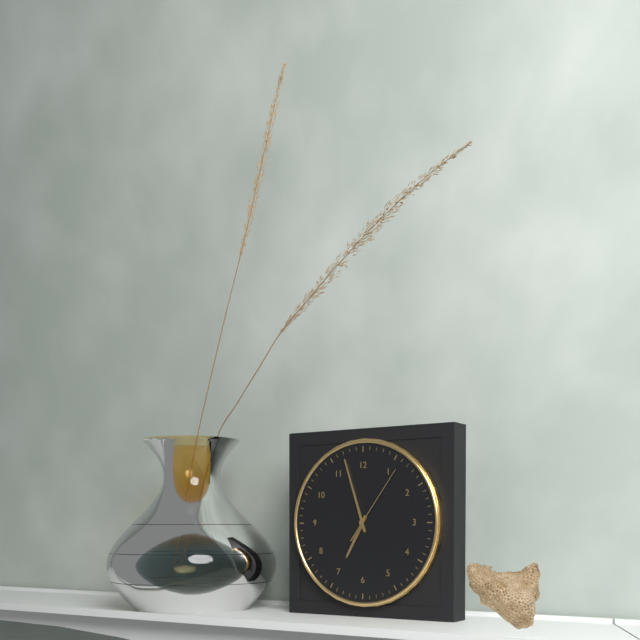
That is 6:57:06
